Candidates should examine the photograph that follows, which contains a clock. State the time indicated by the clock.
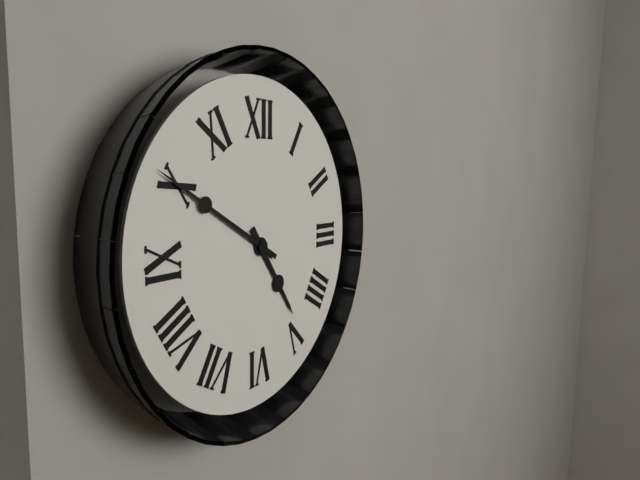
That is 4:50
